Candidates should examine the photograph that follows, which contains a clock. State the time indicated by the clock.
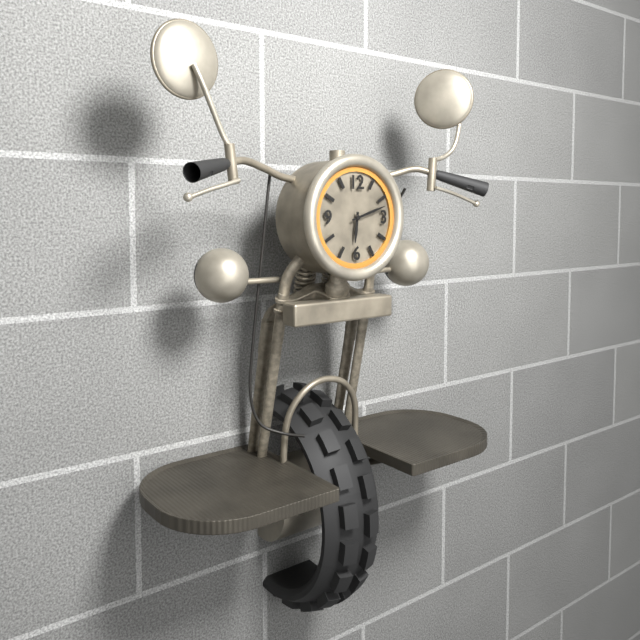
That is 6:12
